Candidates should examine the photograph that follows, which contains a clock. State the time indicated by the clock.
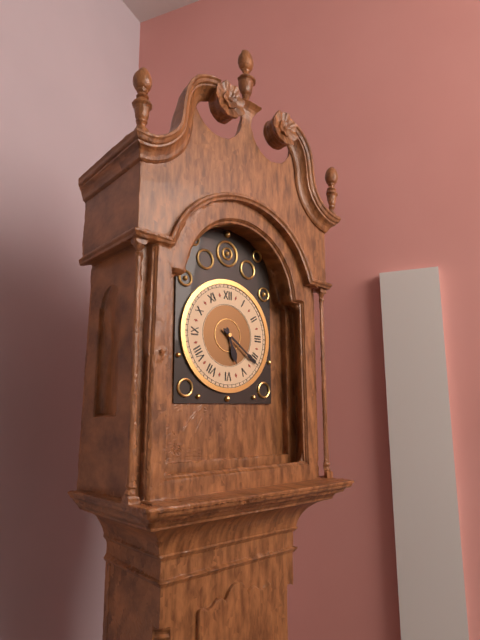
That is 5:21
